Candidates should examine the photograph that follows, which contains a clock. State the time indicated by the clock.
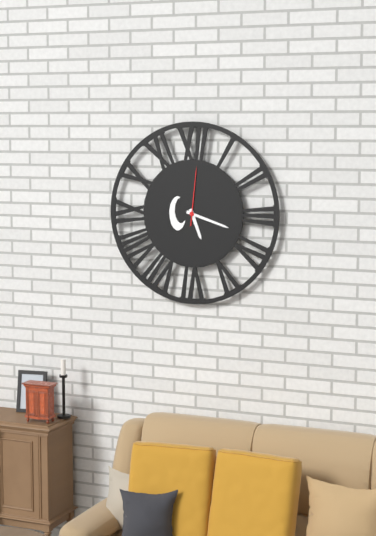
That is 5:18:01
